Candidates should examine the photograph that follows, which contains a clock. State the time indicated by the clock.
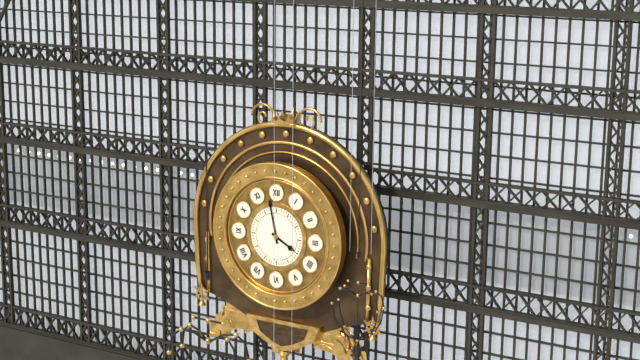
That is 3:58
